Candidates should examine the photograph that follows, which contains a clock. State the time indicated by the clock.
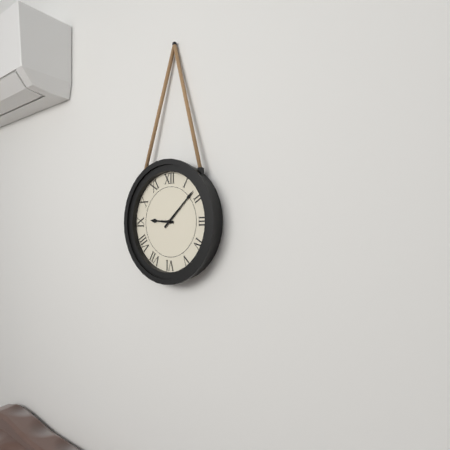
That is 9:08
